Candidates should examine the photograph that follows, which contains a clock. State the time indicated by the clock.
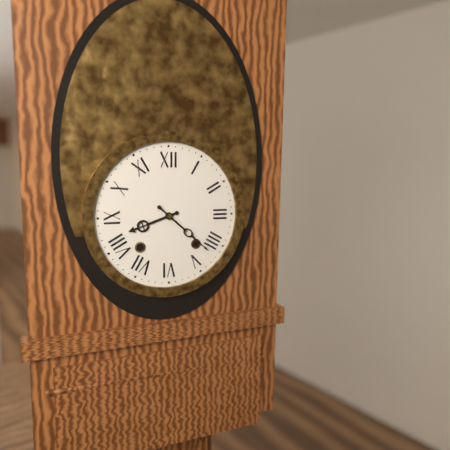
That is 8:22
